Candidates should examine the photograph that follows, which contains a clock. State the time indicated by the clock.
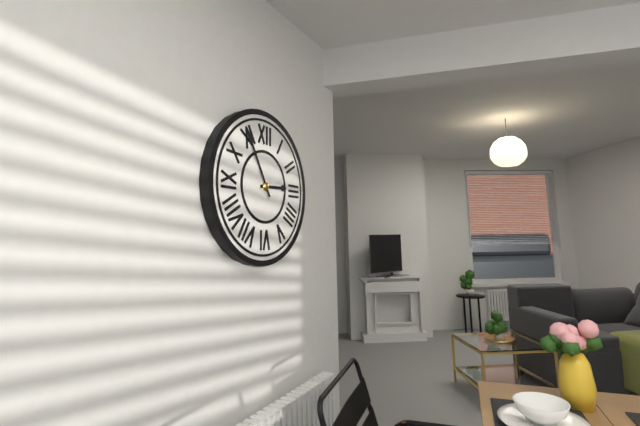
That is 2:55
